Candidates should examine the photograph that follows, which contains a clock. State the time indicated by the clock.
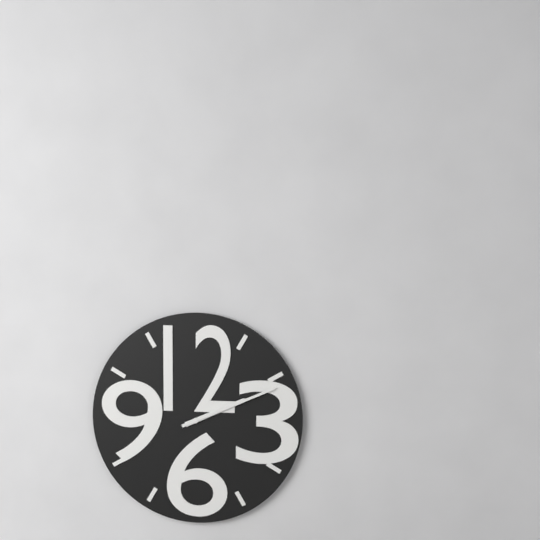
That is 2:11
